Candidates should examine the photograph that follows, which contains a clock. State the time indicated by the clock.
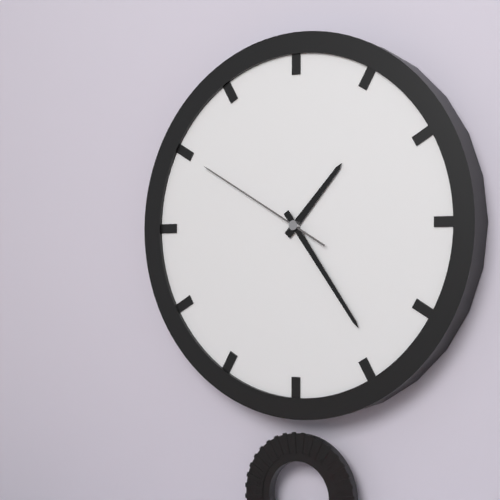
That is 1:24:50
